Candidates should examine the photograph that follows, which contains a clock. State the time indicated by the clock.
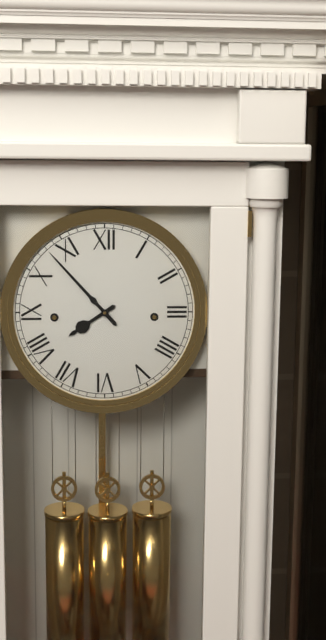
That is 7:53
